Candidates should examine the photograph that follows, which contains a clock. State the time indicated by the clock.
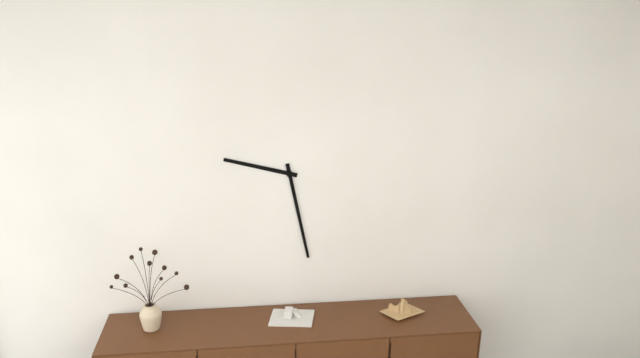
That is 9:28
